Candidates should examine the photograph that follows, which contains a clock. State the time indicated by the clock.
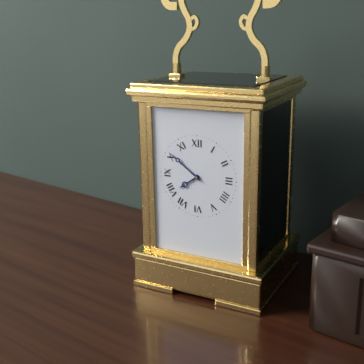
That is 7:51
